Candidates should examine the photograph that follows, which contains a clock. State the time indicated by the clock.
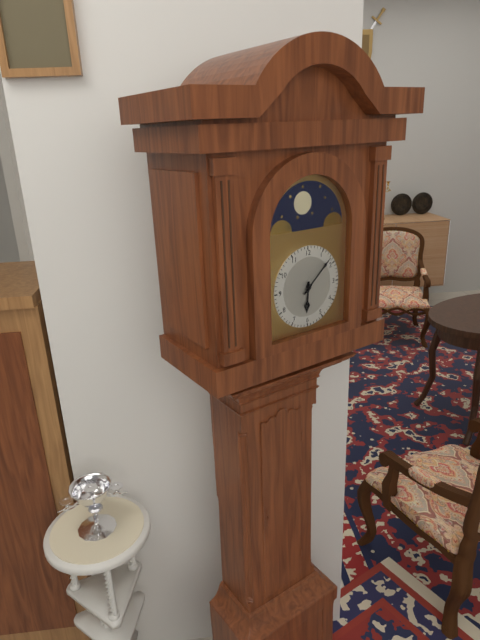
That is 6:08
